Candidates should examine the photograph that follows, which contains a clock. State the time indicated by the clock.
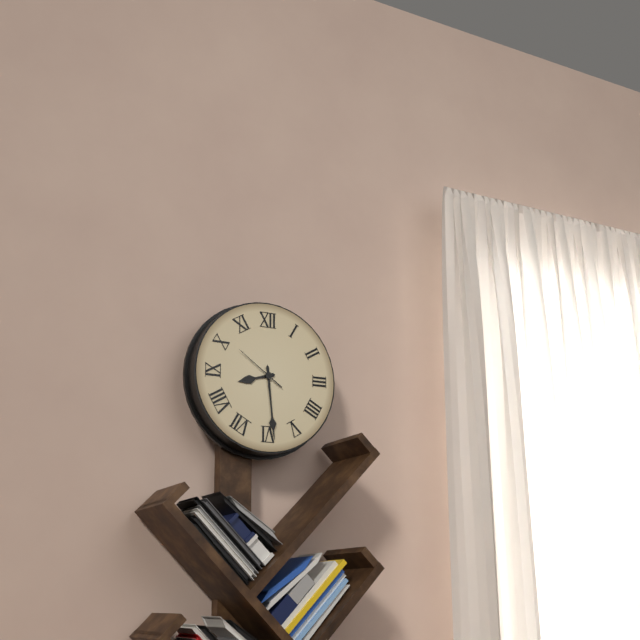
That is 8:29:51
